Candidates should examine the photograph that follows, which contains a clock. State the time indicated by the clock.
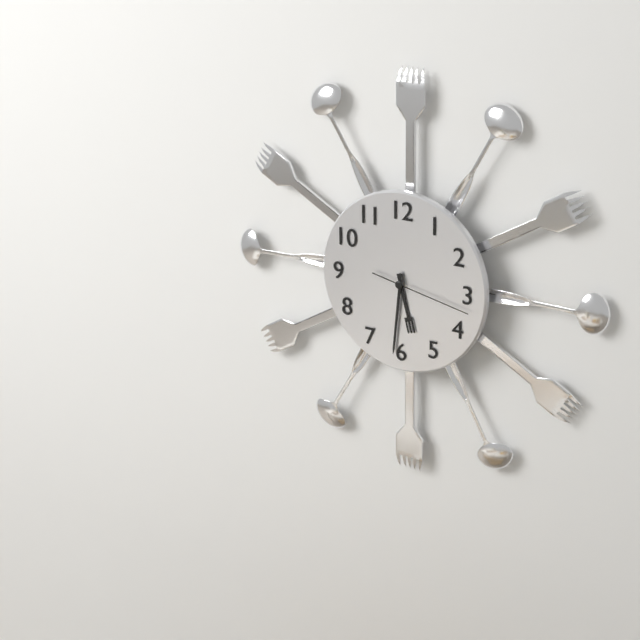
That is 5:31:17
